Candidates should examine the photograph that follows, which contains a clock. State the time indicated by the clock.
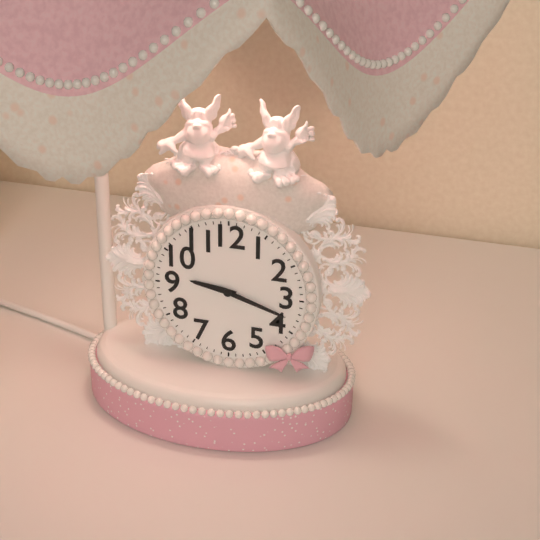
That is 9:18
